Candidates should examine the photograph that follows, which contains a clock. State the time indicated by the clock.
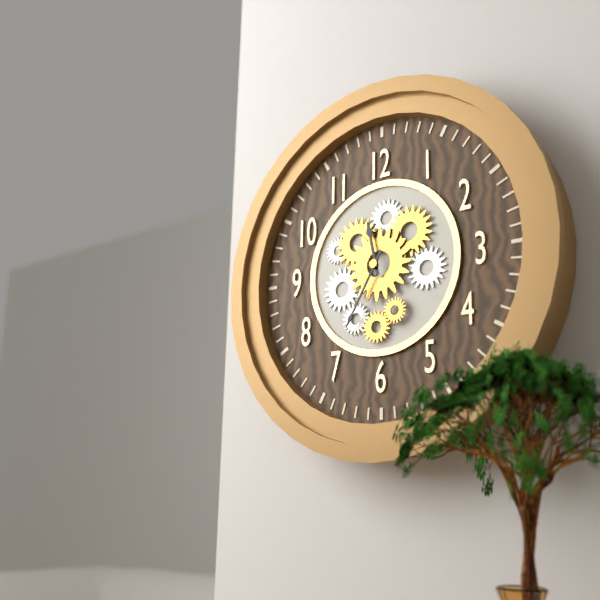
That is 11:35
